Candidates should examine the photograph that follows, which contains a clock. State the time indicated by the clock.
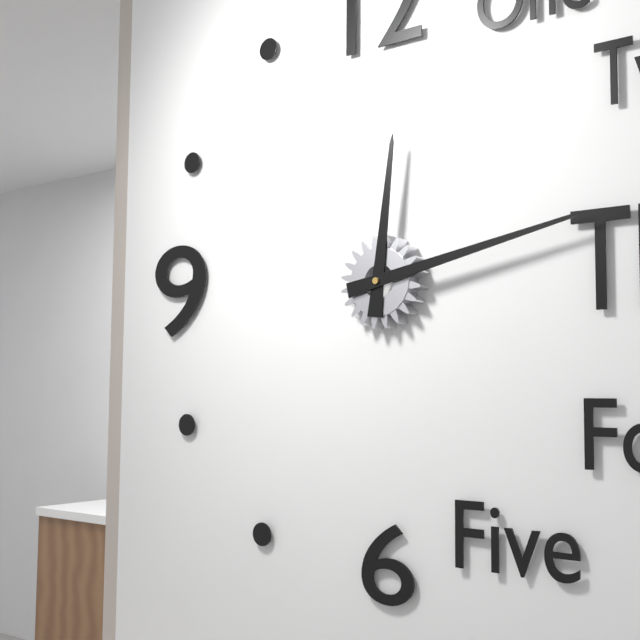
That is 12:13
